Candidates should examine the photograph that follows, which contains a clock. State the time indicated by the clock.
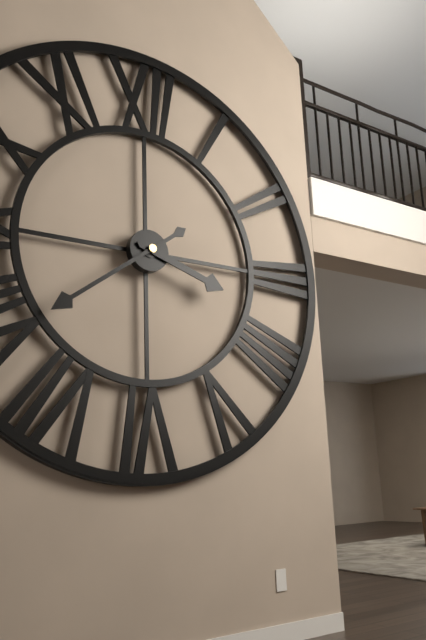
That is 3:39
